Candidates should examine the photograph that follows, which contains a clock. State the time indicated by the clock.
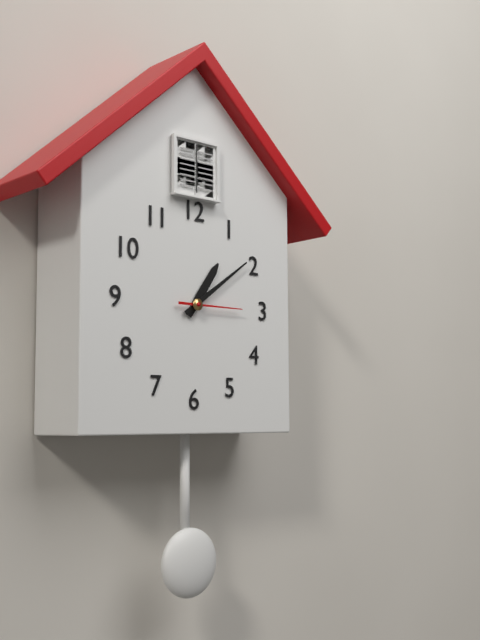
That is 1:09:15
